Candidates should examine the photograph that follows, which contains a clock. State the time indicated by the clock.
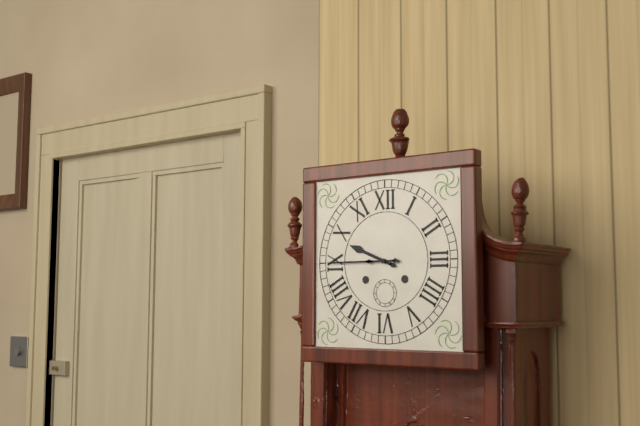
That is 9:45
